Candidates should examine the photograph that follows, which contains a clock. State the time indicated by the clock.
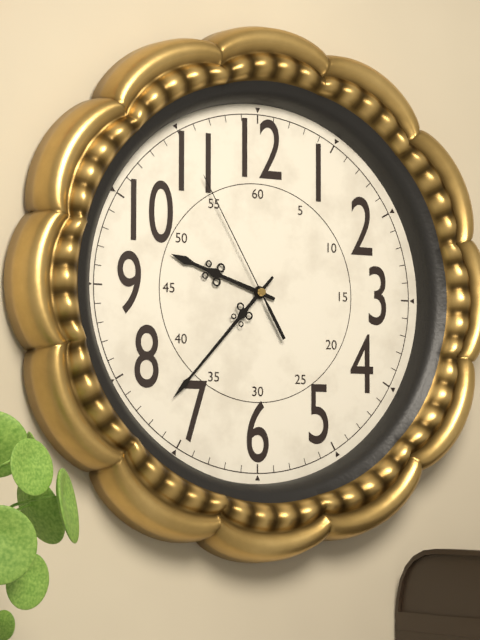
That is 9:37:55
